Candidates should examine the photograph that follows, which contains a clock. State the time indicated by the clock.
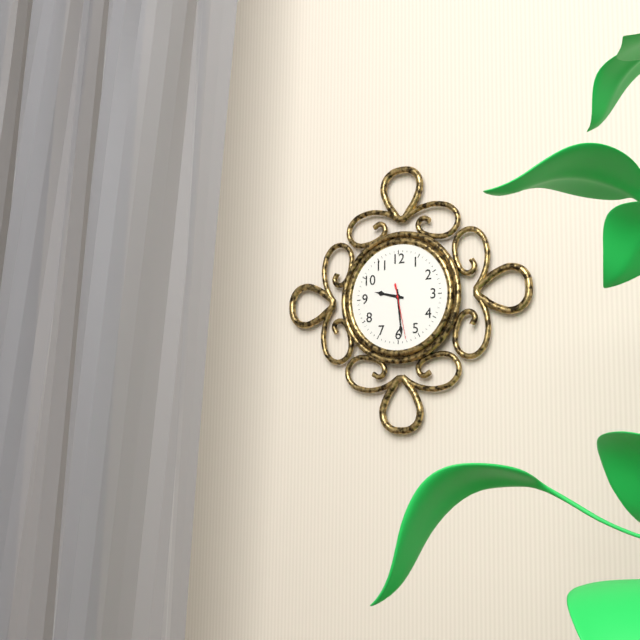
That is 9:29:28
